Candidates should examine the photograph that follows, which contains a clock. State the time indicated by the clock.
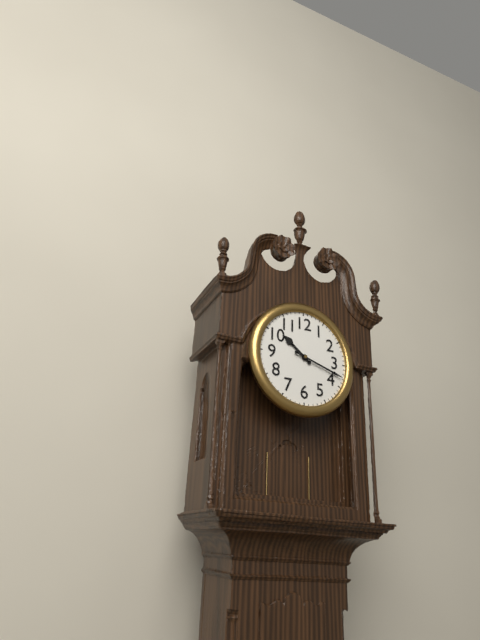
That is 10:18
